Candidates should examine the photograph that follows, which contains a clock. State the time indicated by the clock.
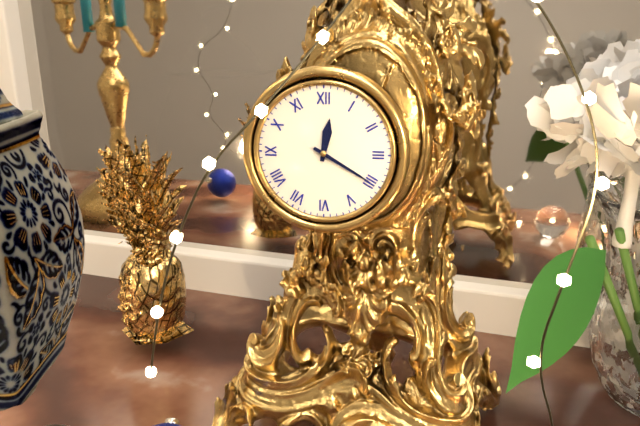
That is 12:20
